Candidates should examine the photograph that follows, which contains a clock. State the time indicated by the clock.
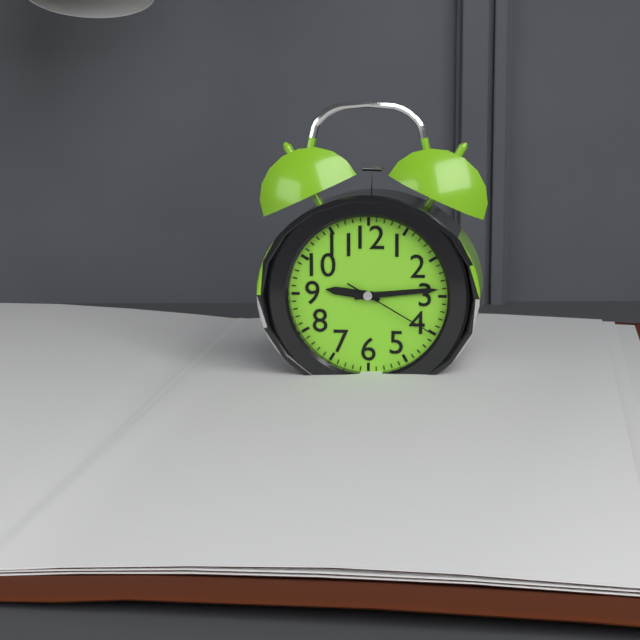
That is 9:14:20
